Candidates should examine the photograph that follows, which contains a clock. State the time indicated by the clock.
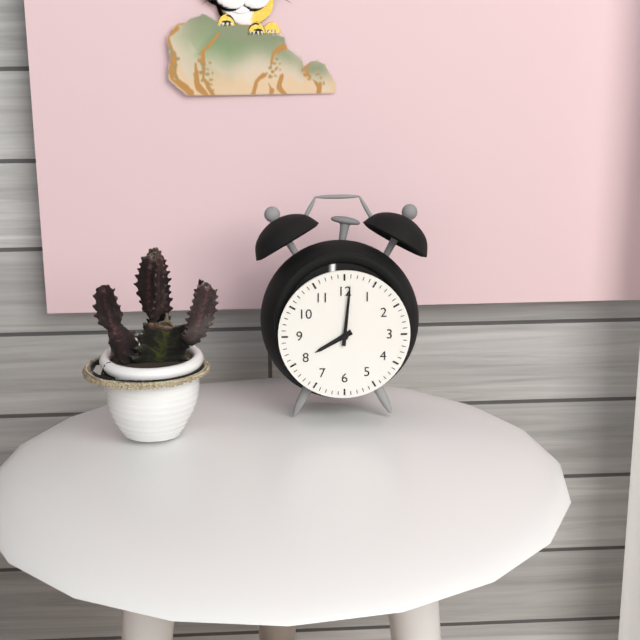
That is 8:01
